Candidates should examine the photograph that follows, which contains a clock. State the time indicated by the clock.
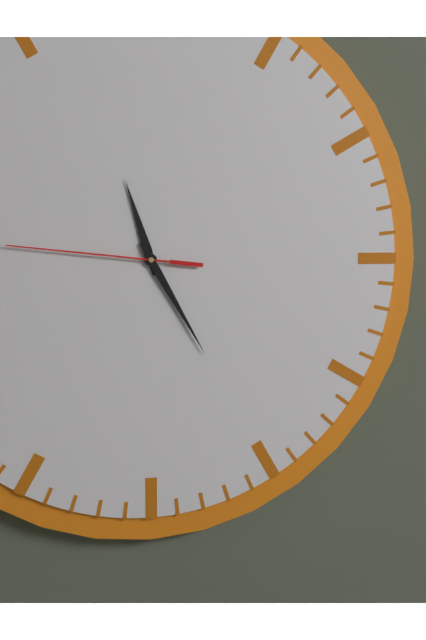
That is 11:25:46
